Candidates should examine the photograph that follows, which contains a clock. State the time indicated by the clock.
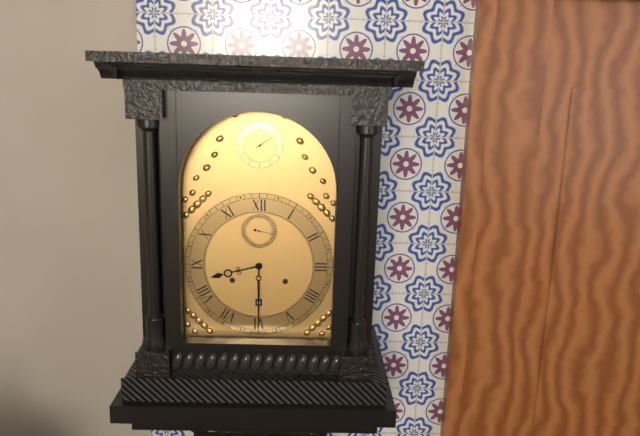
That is 8:30
